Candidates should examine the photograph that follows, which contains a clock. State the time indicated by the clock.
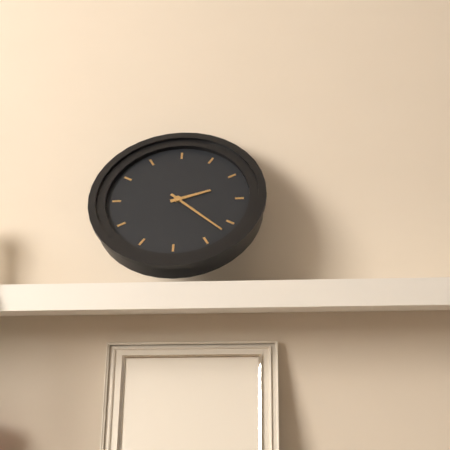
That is 2:22
